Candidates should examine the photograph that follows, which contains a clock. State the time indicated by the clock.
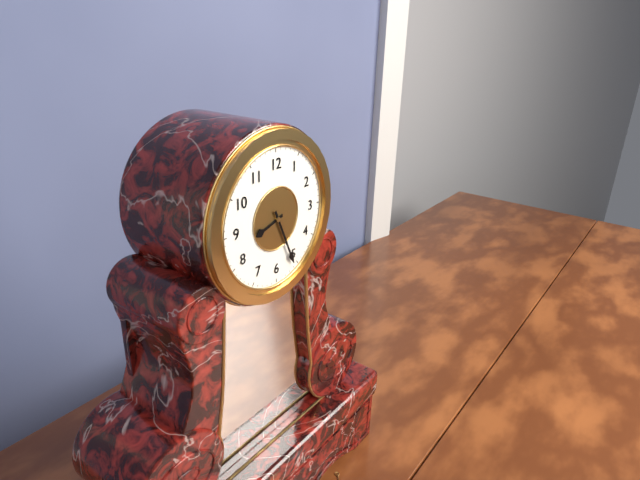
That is 8:26
